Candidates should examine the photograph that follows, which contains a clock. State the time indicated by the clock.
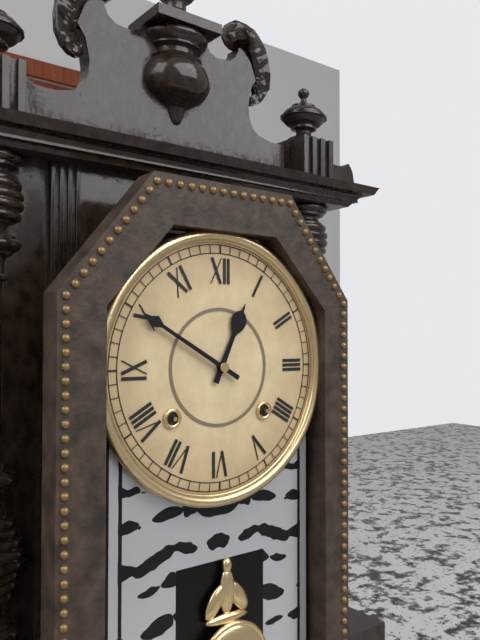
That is 12:50
